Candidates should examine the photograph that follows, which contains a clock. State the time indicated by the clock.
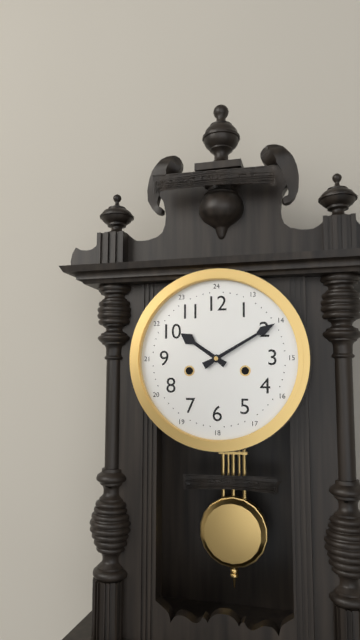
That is 10:10
